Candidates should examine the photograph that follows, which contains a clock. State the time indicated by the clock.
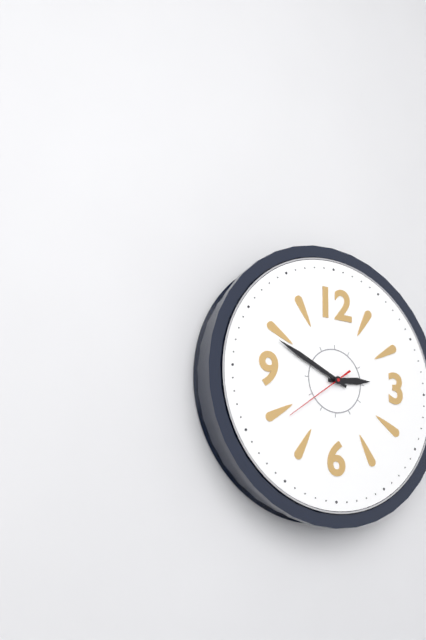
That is 2:49:39
